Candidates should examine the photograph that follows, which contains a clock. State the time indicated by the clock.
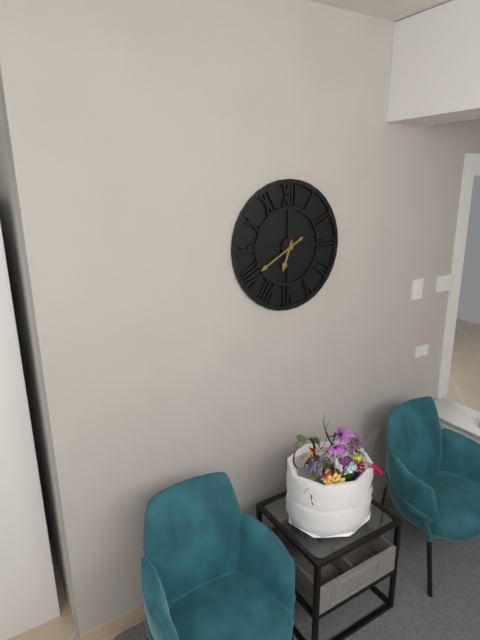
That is 6:40
